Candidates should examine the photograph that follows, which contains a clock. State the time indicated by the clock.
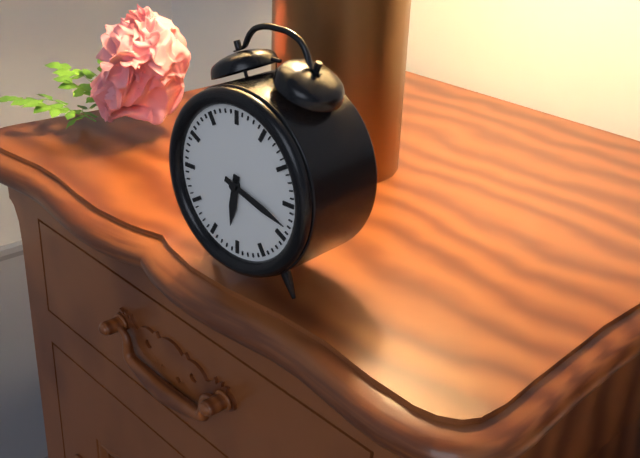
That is 6:18
